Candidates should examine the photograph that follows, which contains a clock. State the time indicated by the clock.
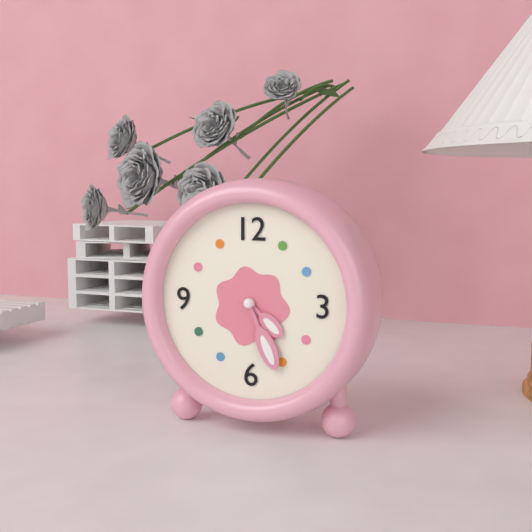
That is 4:26
